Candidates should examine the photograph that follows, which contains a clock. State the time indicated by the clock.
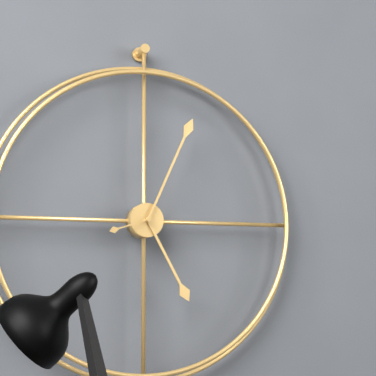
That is 5:04:42
